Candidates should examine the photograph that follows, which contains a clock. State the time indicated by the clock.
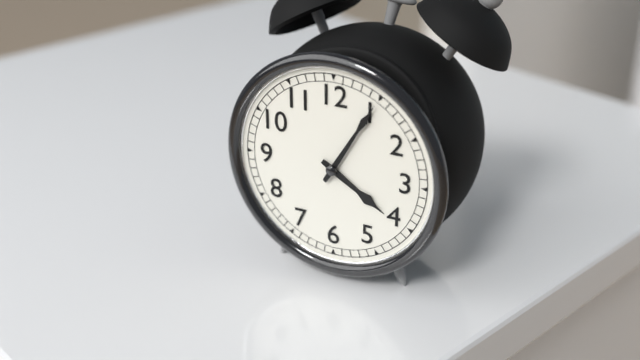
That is 4:05
